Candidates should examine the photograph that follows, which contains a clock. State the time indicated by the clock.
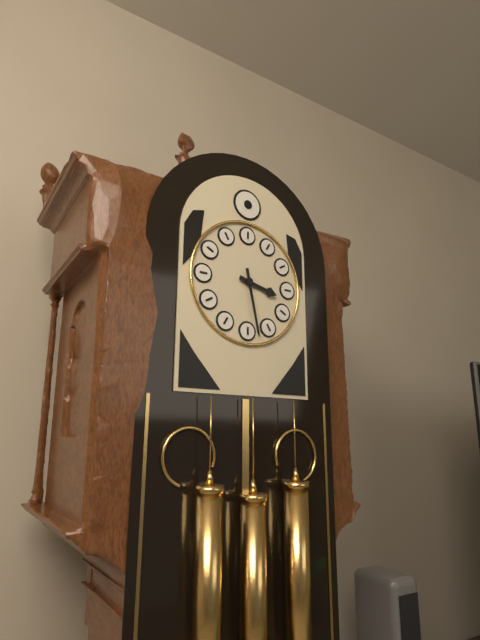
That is 3:28
